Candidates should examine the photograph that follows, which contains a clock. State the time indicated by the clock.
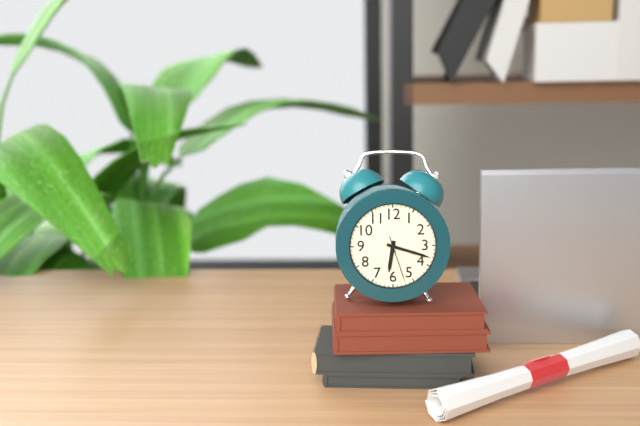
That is 6:18:27
